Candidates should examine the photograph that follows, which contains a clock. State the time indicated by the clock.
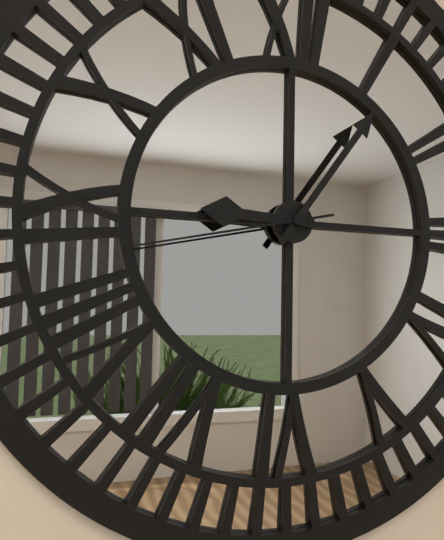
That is 9:06:43
